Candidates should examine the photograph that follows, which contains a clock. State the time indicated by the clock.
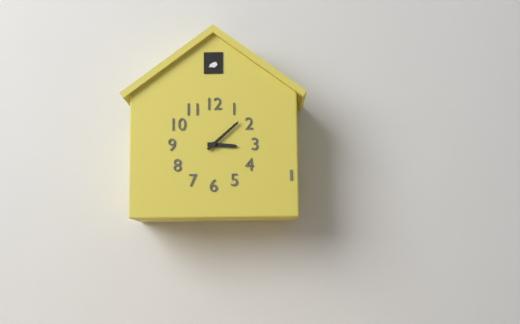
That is 3:08
